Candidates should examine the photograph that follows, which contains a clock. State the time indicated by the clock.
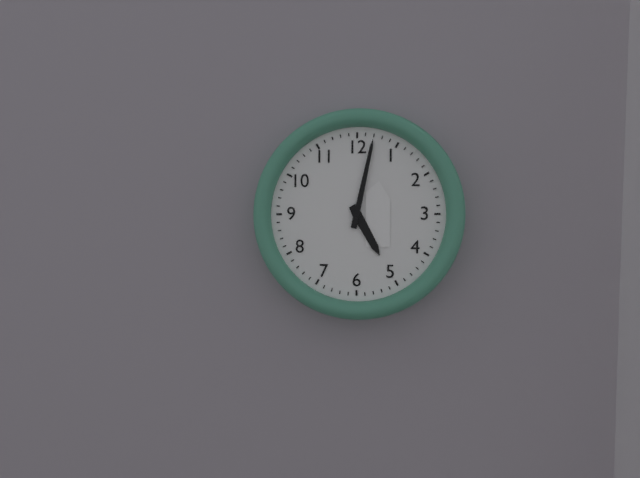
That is 5:02
